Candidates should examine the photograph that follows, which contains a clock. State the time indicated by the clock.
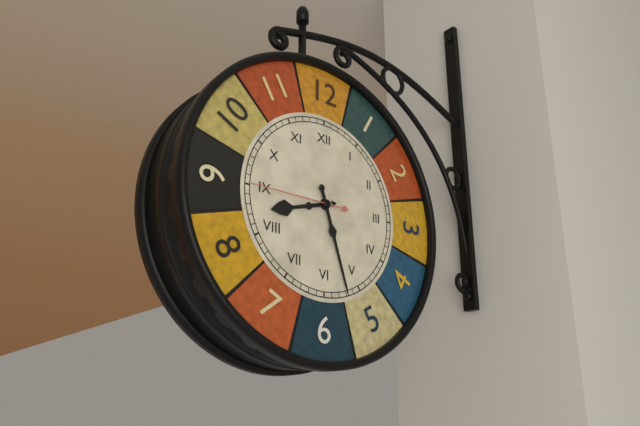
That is 8:27:45
